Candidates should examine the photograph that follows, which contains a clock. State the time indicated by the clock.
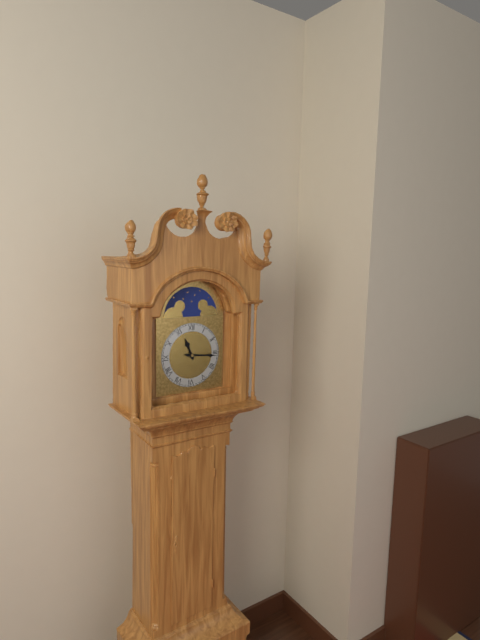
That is 11:16
